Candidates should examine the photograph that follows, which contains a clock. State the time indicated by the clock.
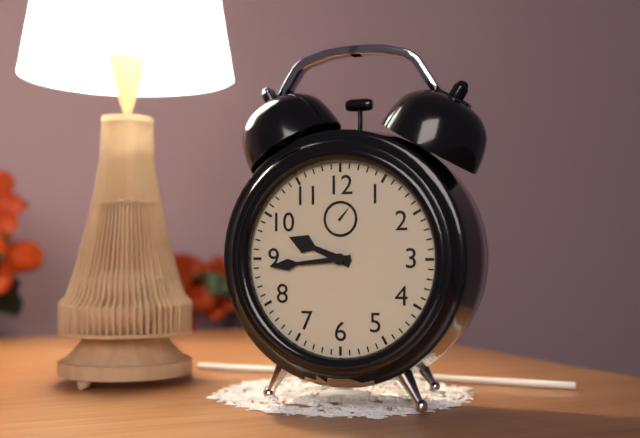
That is 9:44
